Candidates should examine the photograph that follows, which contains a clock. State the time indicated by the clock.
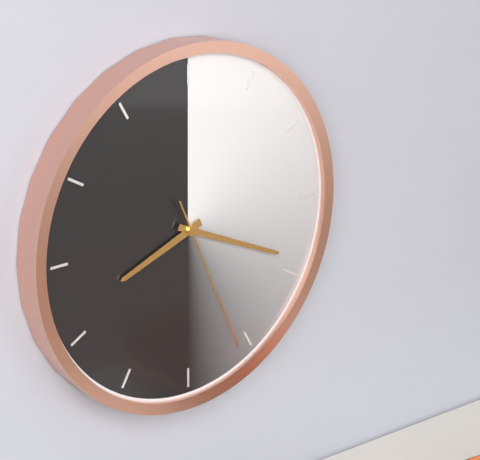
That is 8:19:26
